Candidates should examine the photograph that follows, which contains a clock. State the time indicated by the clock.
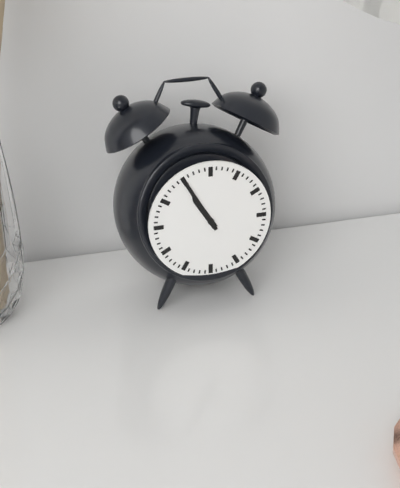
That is 10:55
